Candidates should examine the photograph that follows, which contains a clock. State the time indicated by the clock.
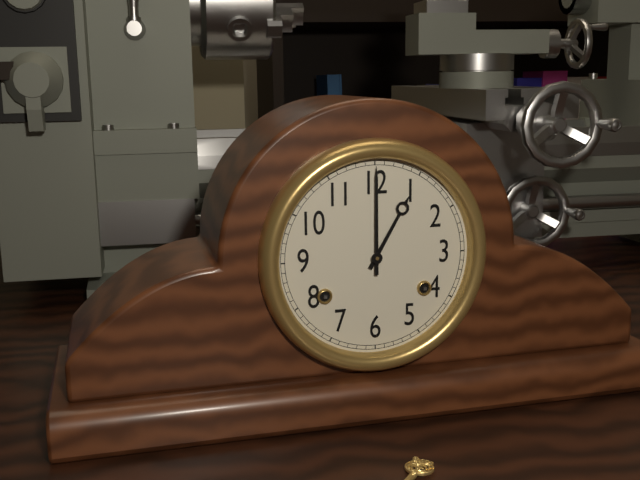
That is 1:00
